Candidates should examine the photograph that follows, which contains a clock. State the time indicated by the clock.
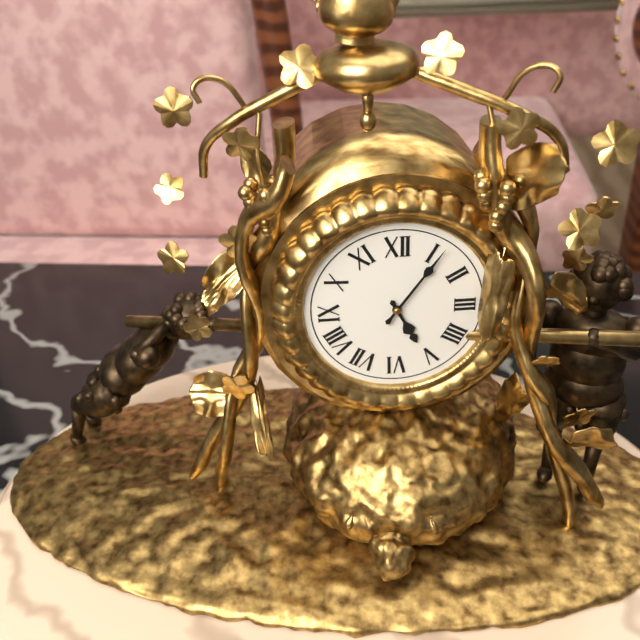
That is 5:06
